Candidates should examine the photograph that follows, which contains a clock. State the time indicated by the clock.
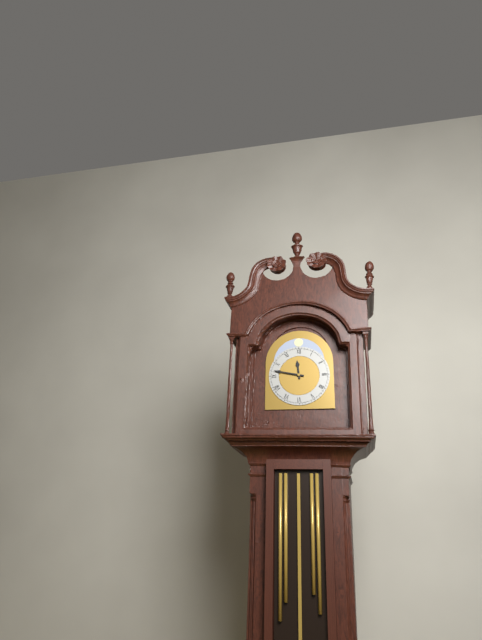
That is 11:47
